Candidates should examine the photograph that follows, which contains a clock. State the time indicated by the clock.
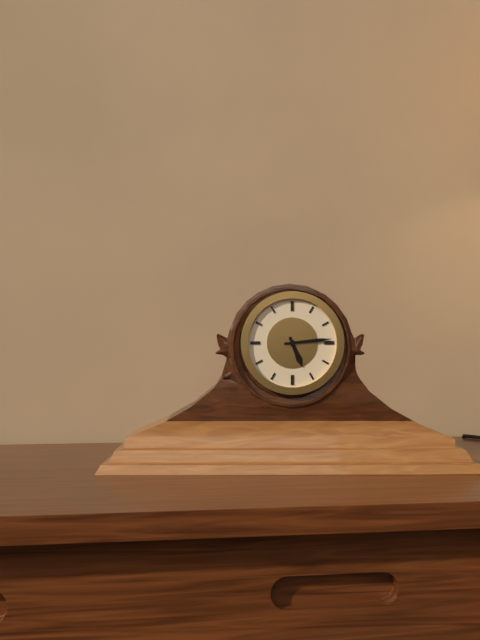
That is 5:14
